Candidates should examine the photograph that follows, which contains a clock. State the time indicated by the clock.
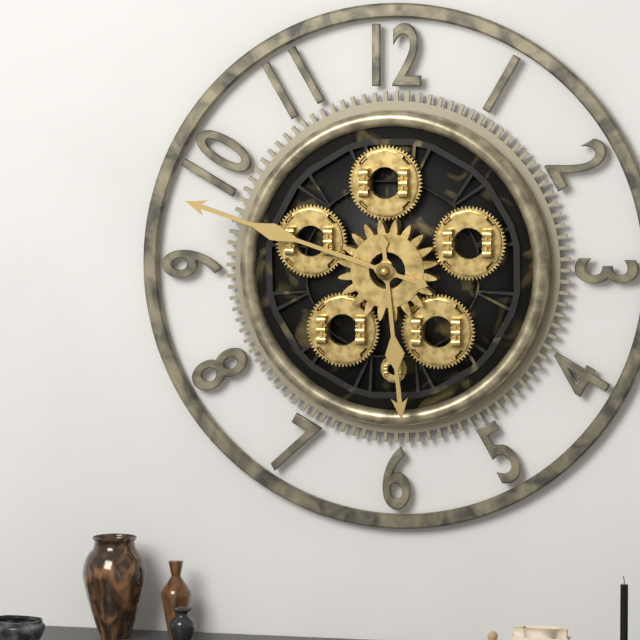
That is 5:48
